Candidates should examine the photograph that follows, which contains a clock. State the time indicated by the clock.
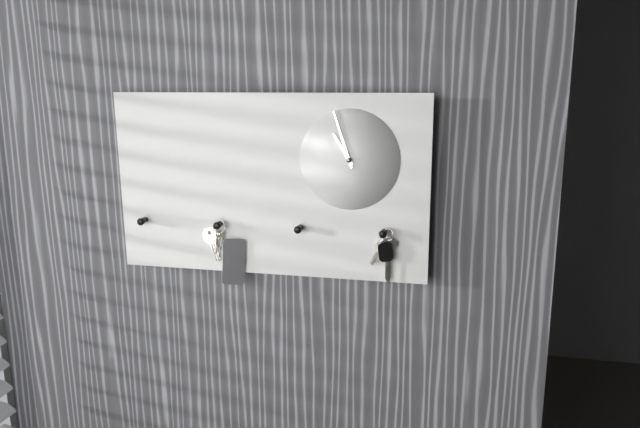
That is 10:57
